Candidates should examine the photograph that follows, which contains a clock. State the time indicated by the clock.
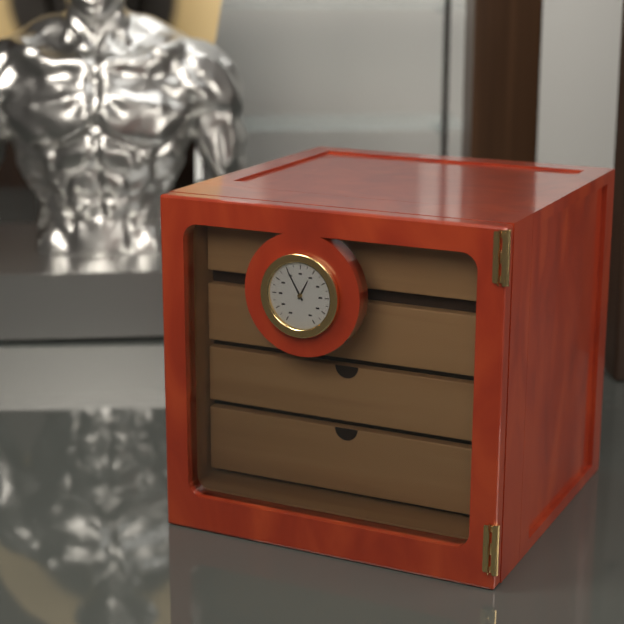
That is 12:55
